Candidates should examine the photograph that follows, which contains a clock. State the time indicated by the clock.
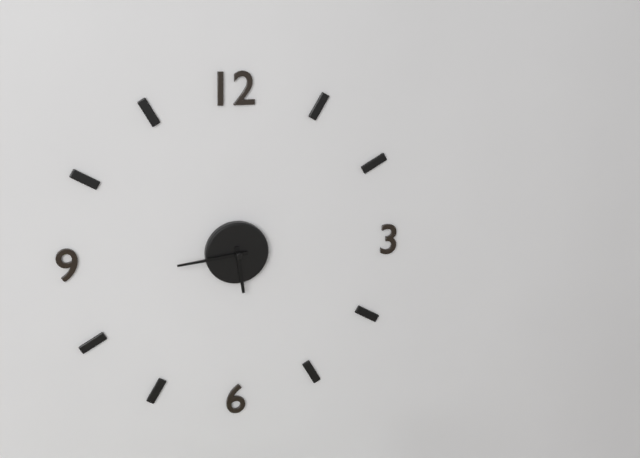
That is 5:44
